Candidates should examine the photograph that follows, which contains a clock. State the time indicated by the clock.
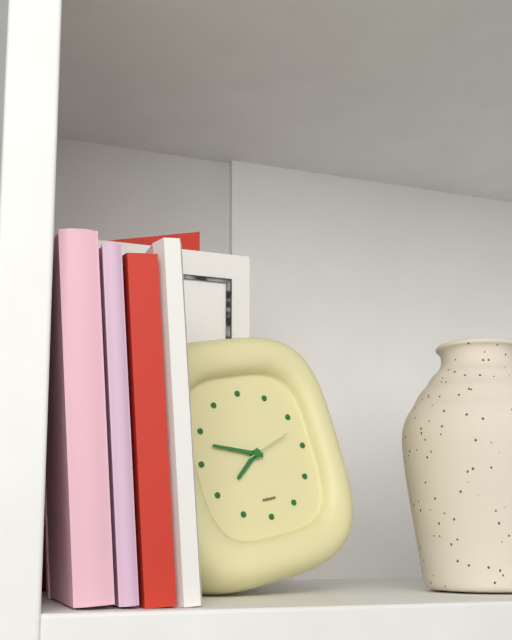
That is 7:48:12
